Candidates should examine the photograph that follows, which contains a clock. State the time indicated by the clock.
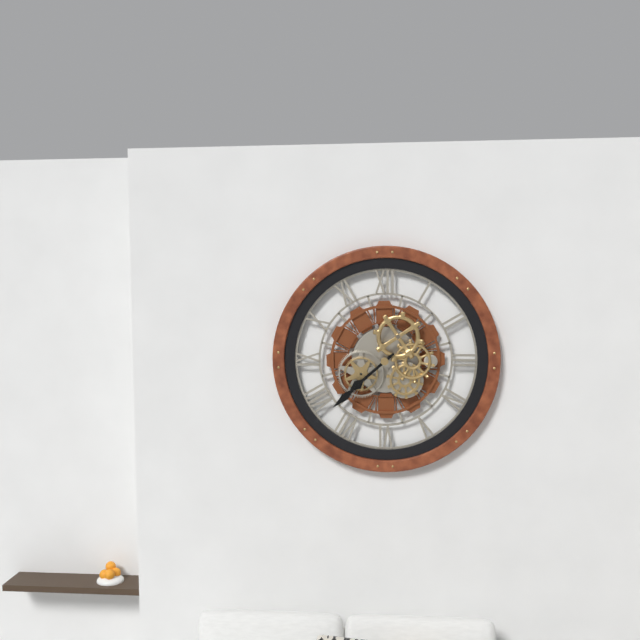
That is 7:38
